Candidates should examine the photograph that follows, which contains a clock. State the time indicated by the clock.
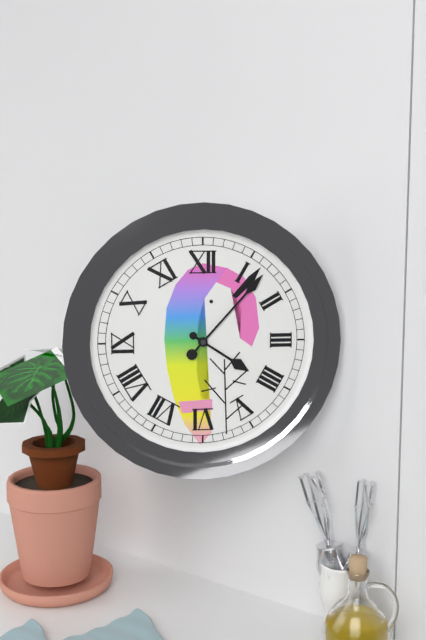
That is 4:07
